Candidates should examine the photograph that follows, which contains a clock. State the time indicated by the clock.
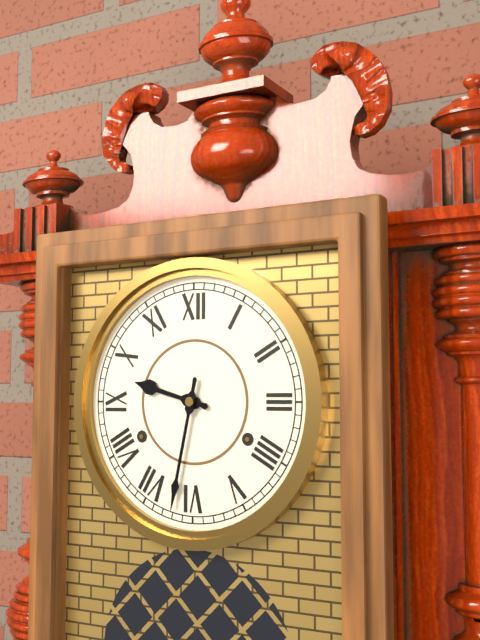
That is 9:32
